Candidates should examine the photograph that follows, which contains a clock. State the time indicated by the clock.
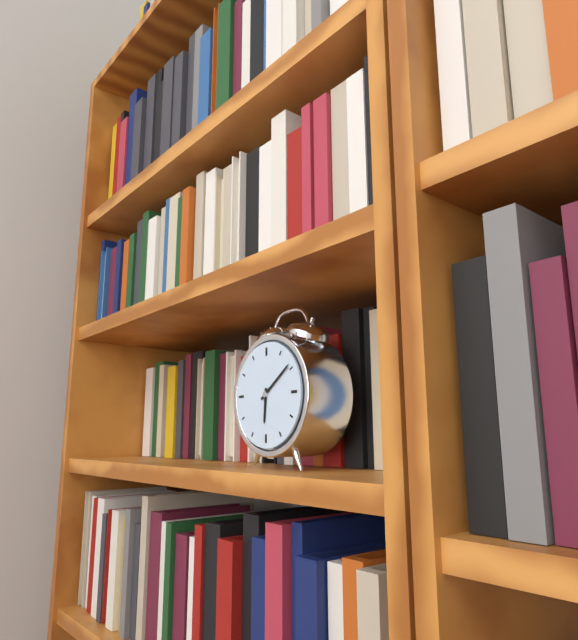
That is 6:09
